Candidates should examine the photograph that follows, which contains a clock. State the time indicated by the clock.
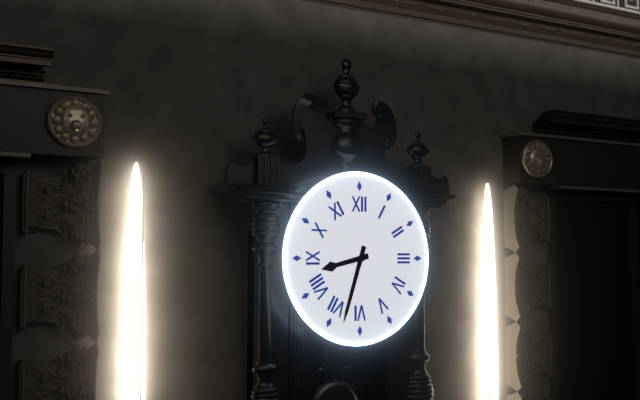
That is 8:33
